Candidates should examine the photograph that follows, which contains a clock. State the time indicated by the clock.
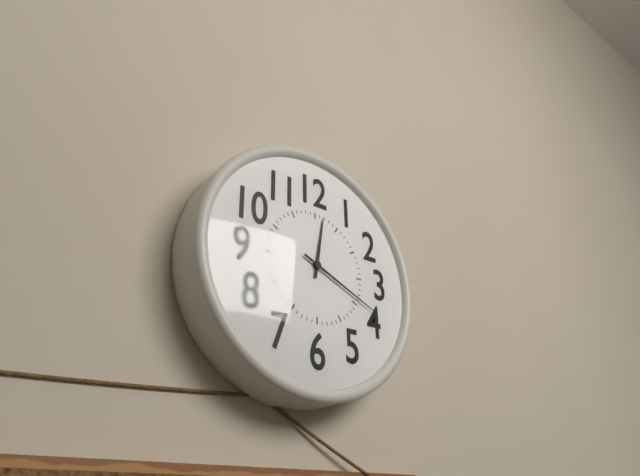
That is 12:19
